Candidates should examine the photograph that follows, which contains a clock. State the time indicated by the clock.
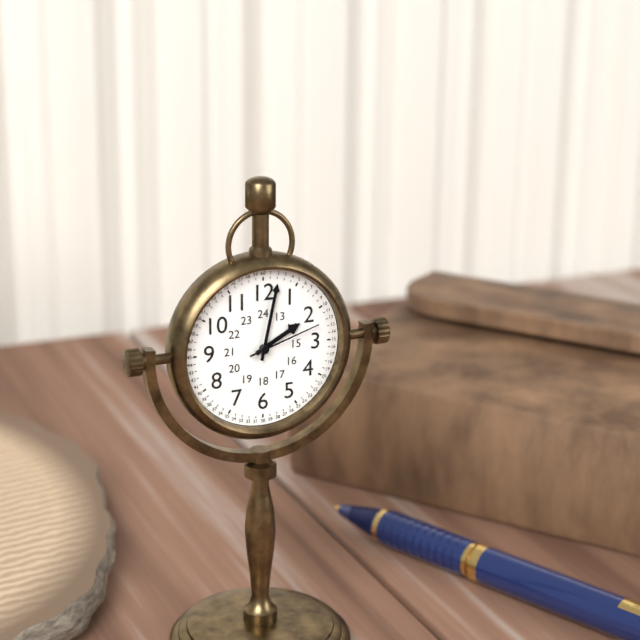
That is 2:02:12
